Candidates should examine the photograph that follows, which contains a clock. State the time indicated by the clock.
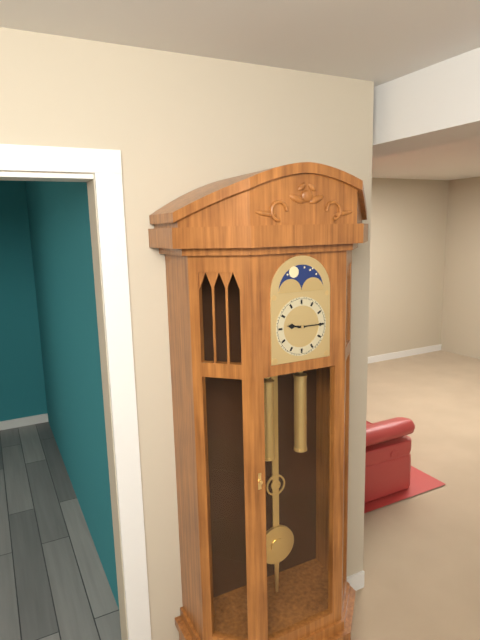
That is 9:15
